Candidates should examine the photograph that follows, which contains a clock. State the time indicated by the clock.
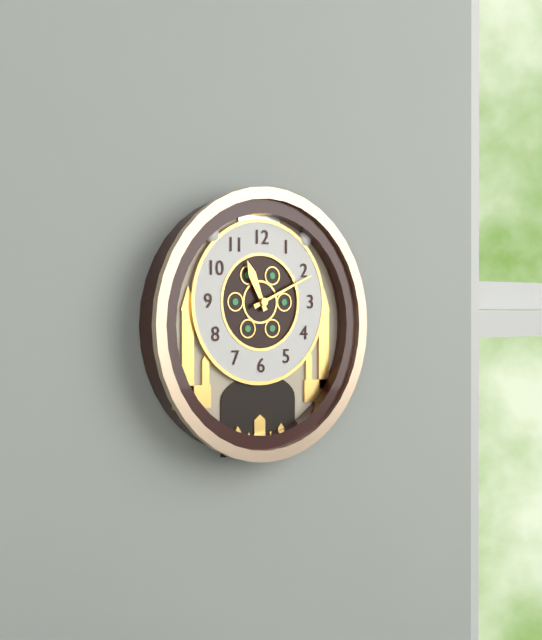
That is 11:11
